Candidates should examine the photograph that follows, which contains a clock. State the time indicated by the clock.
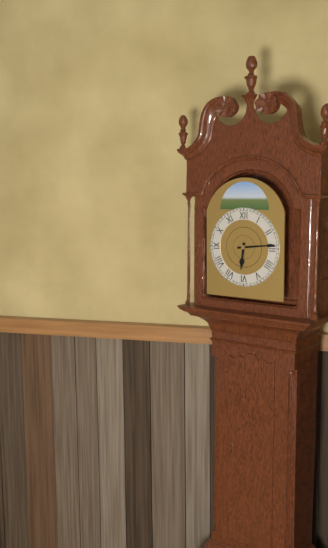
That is 6:14
